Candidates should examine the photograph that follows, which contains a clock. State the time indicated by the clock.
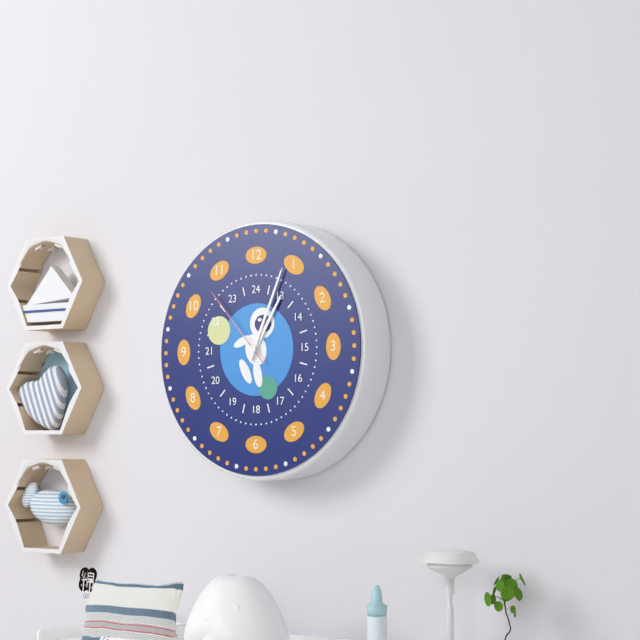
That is 1:04:53
